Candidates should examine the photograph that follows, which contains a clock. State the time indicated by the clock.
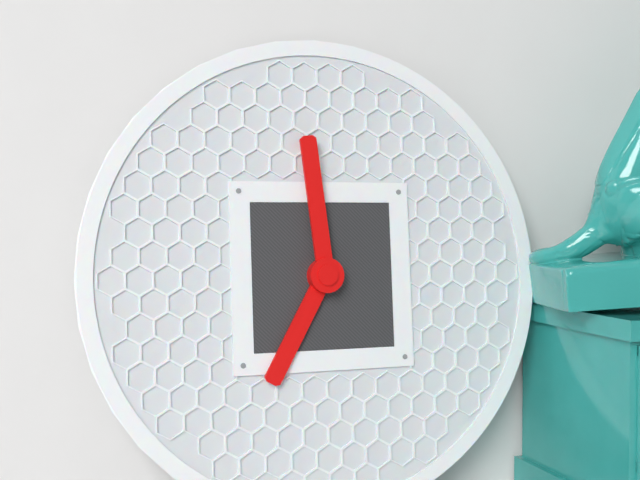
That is 6:59
